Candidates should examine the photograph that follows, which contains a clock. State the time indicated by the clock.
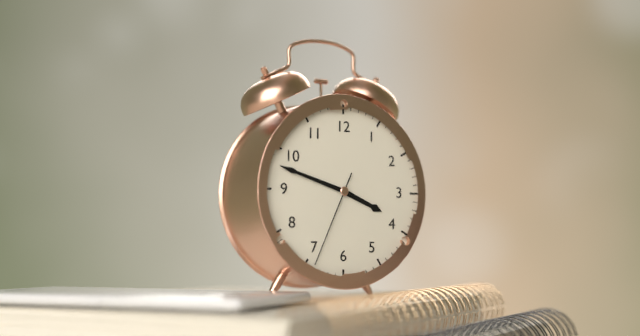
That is 3:48:34
